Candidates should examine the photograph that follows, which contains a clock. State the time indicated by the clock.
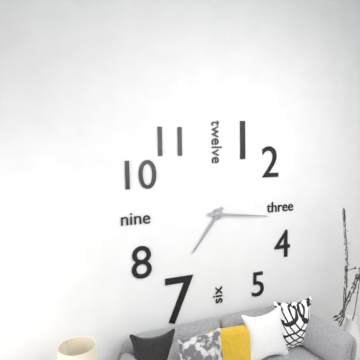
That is 7:16
